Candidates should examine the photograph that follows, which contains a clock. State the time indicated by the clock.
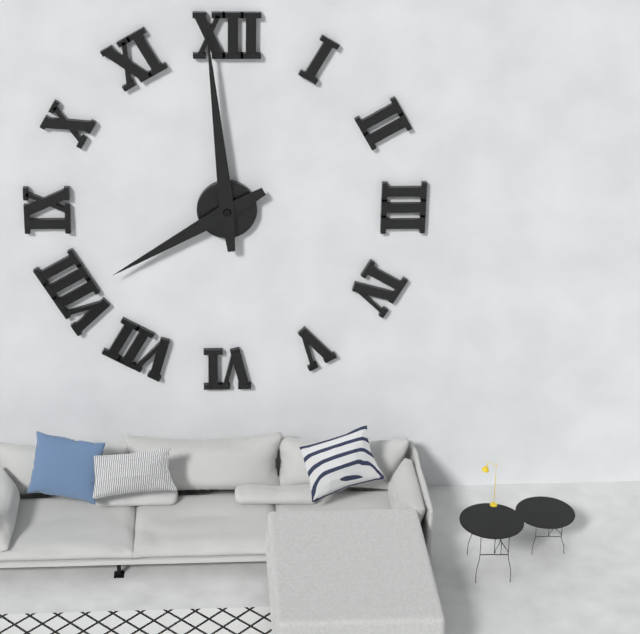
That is 7:59
